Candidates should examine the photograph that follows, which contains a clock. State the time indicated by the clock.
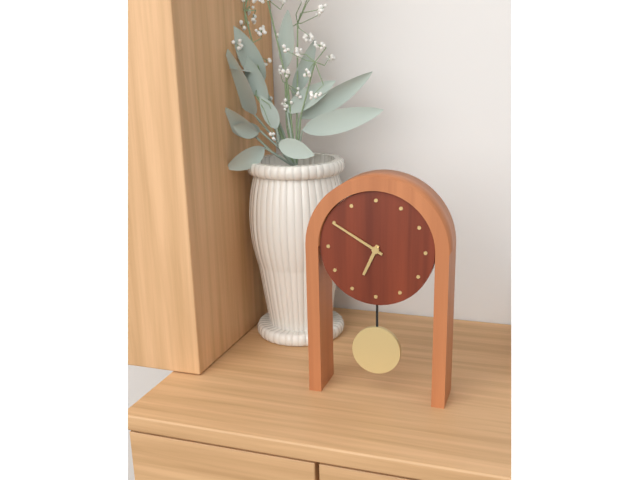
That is 6:50
